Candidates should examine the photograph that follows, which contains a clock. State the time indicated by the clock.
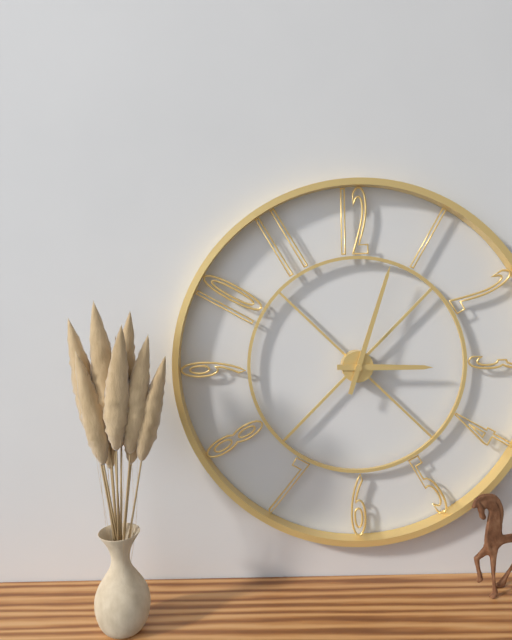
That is 3:03
